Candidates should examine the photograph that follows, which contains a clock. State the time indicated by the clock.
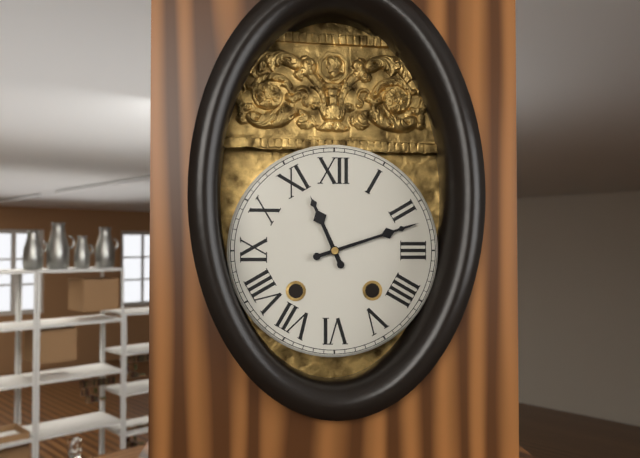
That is 11:12
